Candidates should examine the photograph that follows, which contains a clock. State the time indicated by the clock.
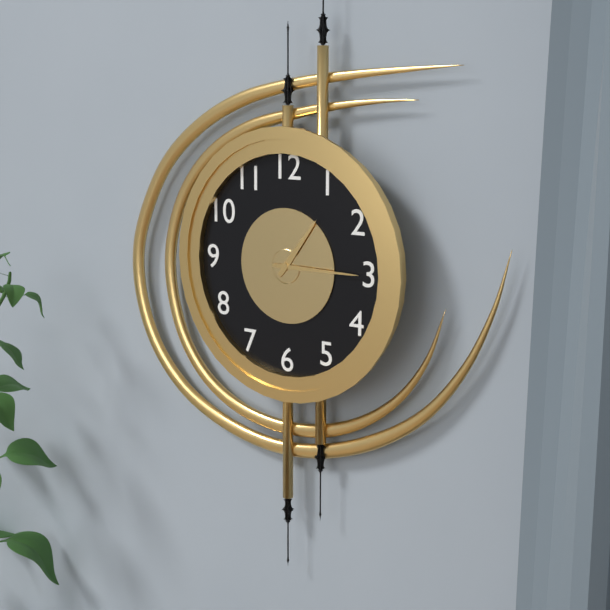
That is 1:15
